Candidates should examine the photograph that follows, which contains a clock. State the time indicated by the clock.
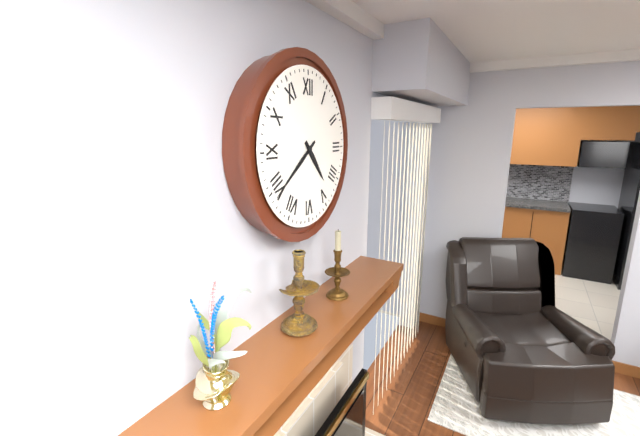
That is 4:39
